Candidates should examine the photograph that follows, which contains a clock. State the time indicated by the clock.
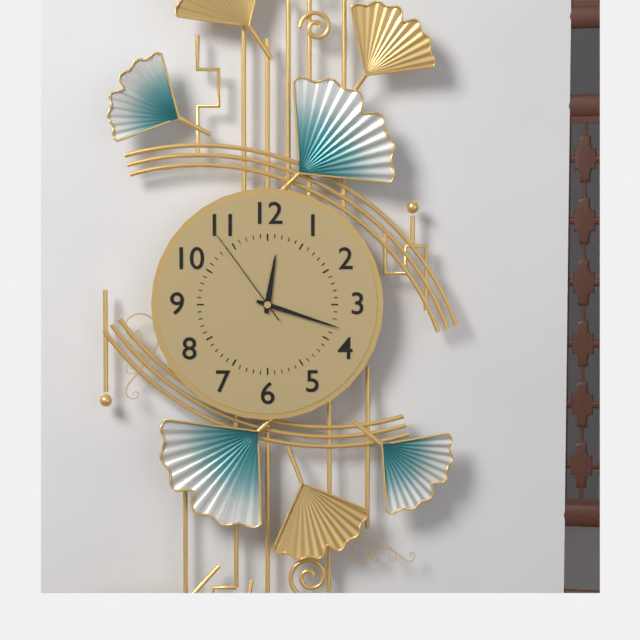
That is 12:18:54
